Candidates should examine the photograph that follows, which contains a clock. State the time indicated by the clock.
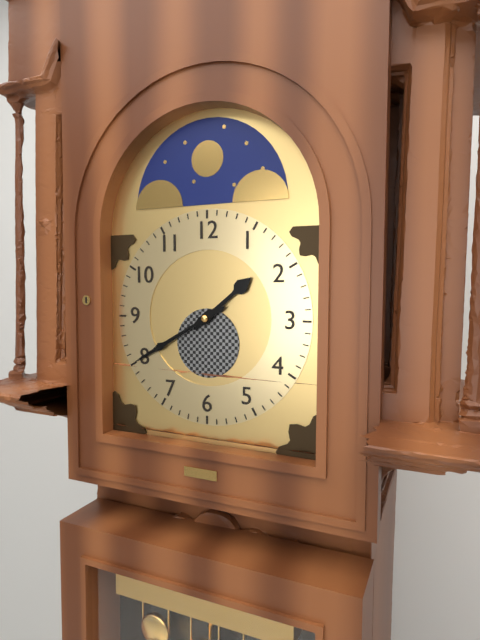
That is 1:40
